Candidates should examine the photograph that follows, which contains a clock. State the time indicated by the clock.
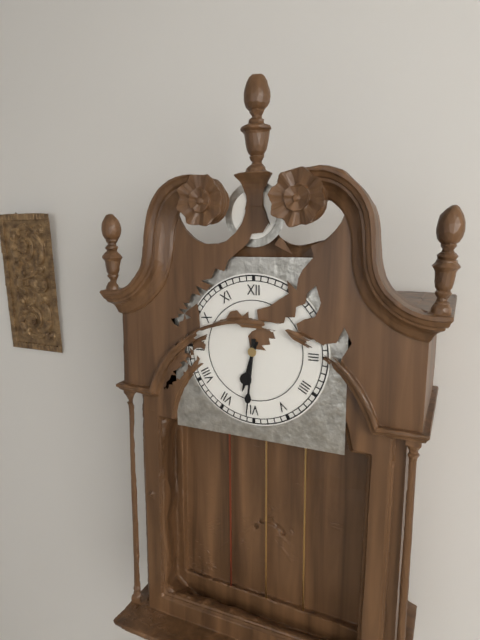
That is 6:31
